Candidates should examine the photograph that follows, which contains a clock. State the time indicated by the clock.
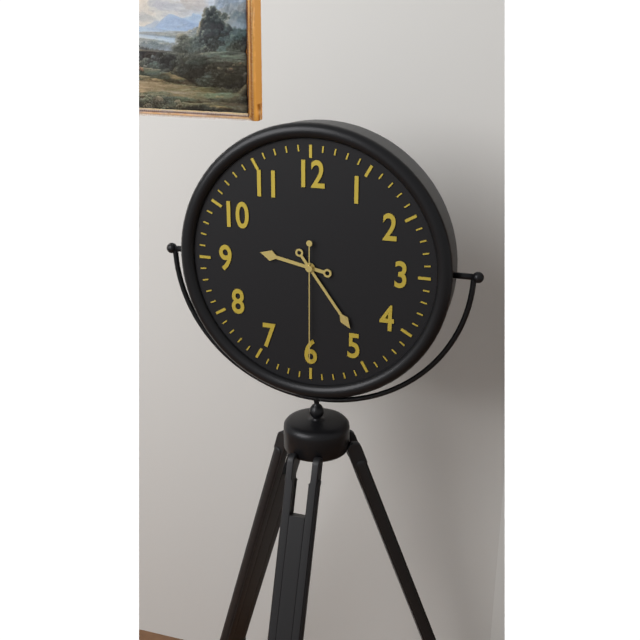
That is 9:24:30
